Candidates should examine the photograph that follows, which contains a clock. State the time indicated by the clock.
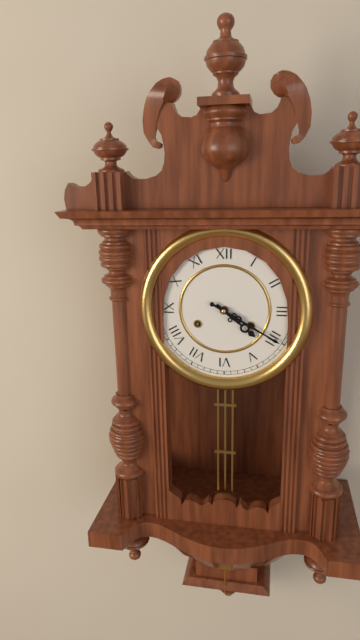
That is 4:20
